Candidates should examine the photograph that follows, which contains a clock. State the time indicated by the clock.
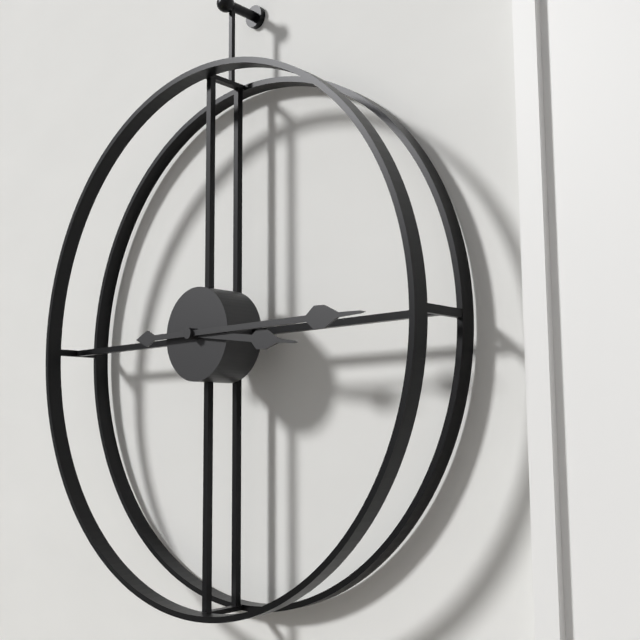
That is 3:15
